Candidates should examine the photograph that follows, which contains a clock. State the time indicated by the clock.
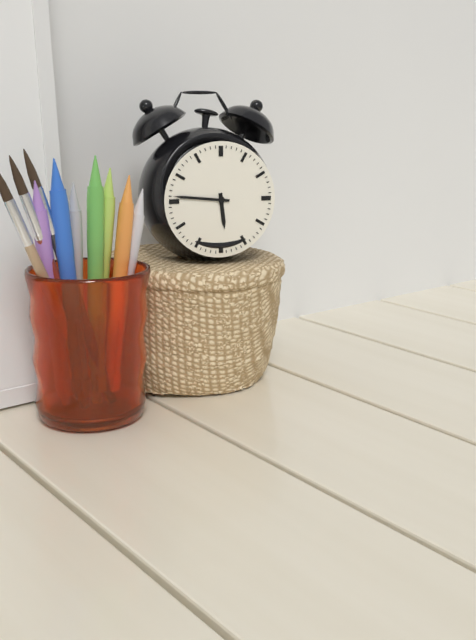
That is 5:46
